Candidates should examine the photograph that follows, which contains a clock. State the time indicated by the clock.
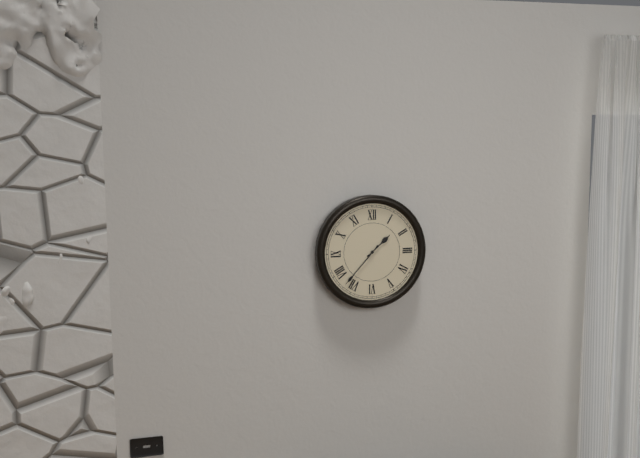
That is 1:37
